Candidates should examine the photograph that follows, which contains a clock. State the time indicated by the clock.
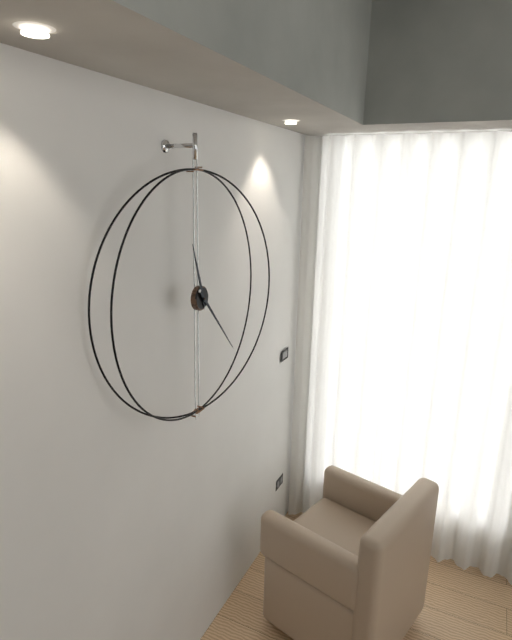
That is 11:23
